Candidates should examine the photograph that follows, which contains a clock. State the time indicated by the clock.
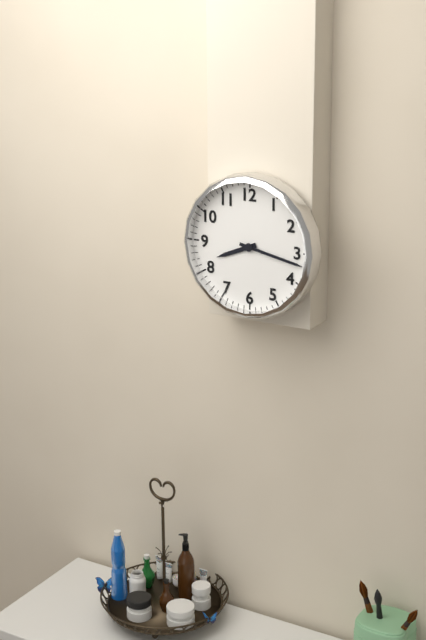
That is 8:17
